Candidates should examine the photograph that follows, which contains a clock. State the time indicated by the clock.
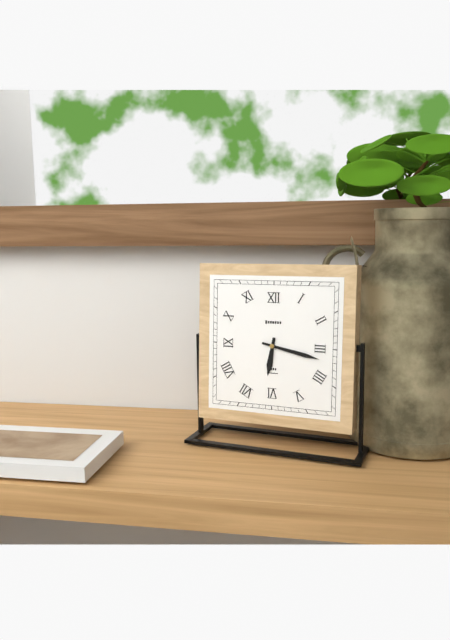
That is 6:17
